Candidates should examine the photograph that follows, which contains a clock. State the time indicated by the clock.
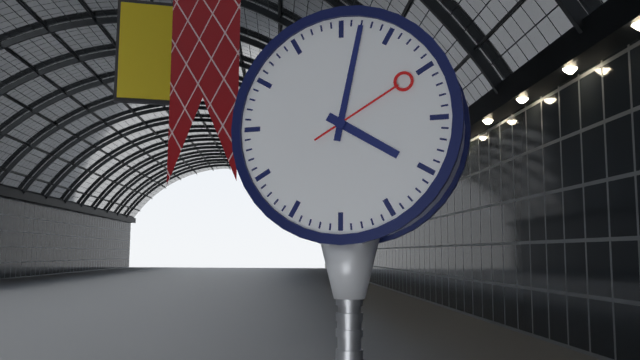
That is 4:02:10
